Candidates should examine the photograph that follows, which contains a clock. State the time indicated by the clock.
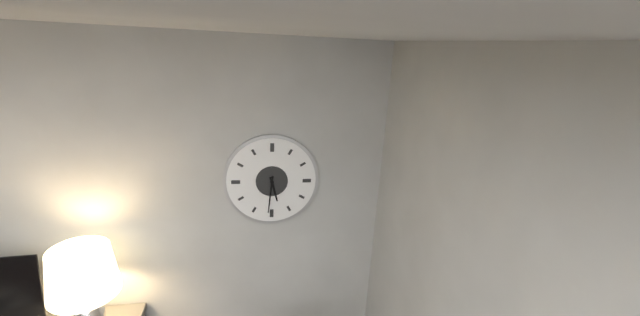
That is 5:31
